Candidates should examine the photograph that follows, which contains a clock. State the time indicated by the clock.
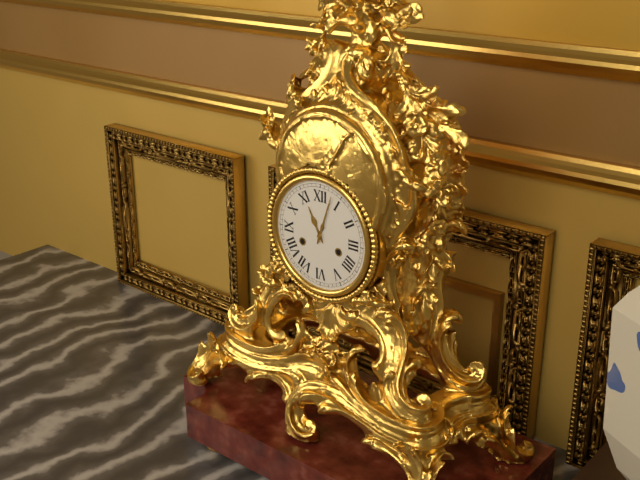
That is 11:03
